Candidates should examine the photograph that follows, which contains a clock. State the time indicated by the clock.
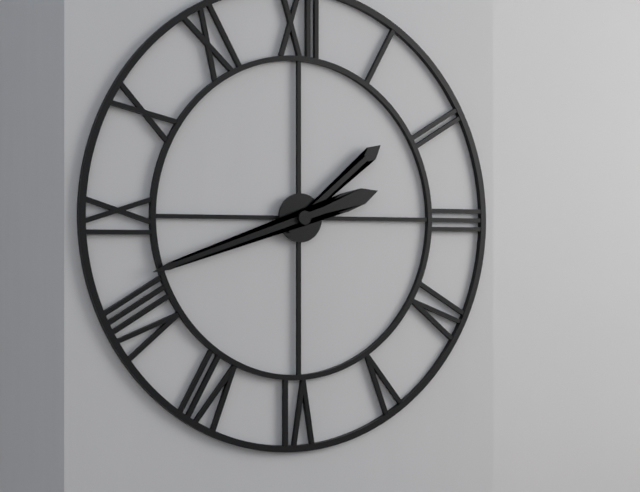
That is 1:42
